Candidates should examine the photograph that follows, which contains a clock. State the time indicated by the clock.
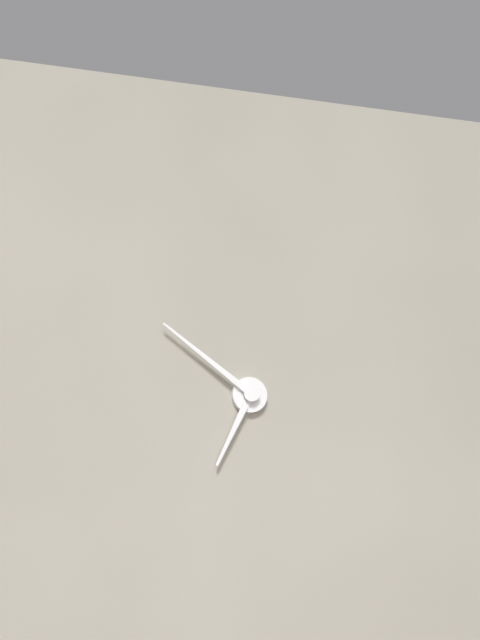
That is 6:51
